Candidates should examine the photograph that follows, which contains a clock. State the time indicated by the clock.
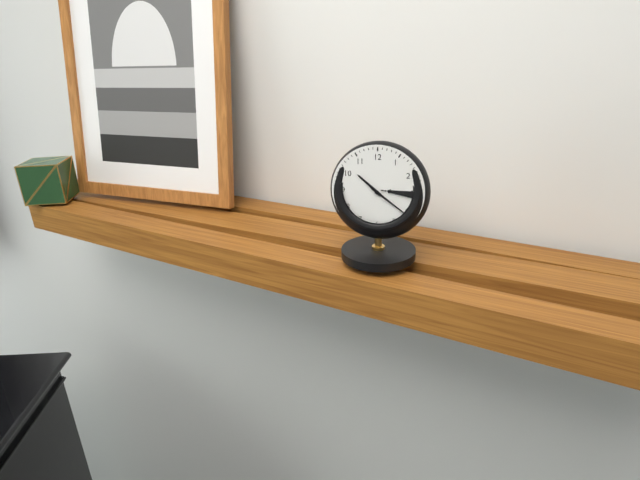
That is 10:21
